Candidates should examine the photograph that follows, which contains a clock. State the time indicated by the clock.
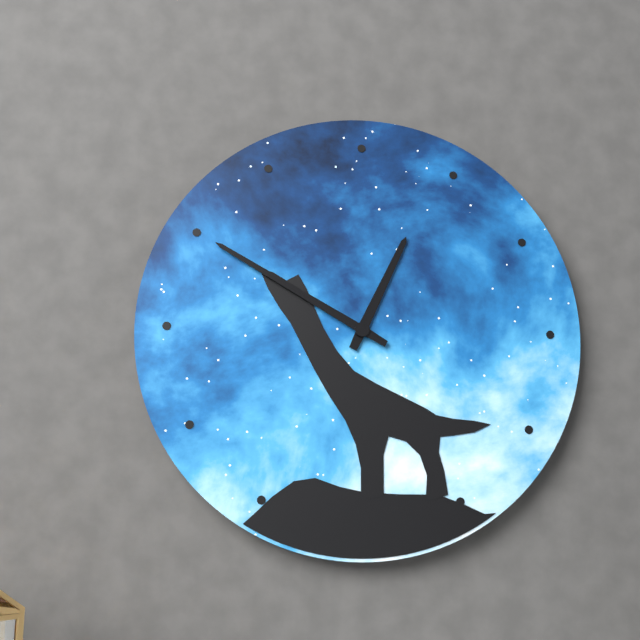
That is 12:50
